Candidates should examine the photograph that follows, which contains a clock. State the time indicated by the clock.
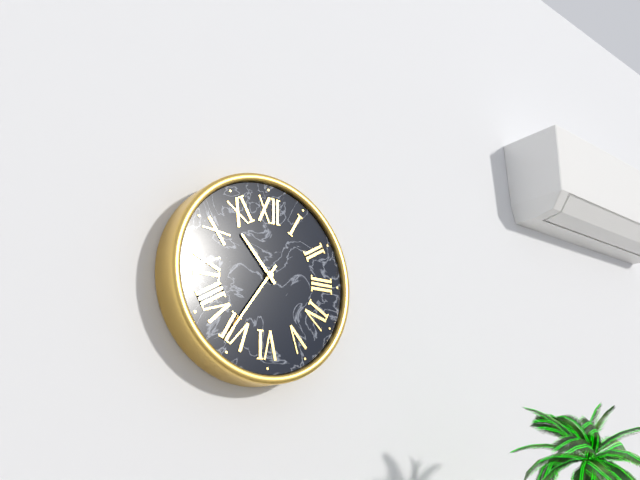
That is 10:36
